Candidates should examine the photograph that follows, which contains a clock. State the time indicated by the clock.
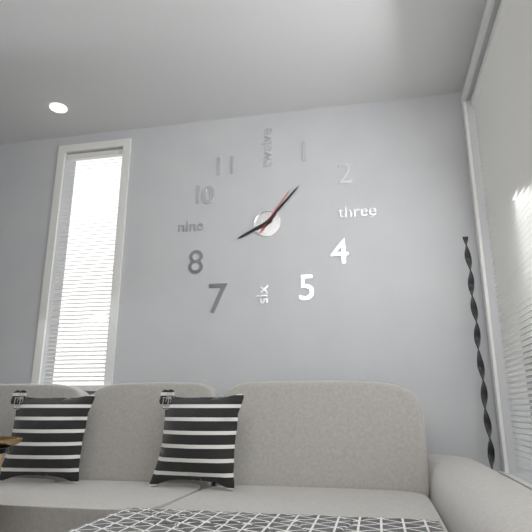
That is 8:07:06
